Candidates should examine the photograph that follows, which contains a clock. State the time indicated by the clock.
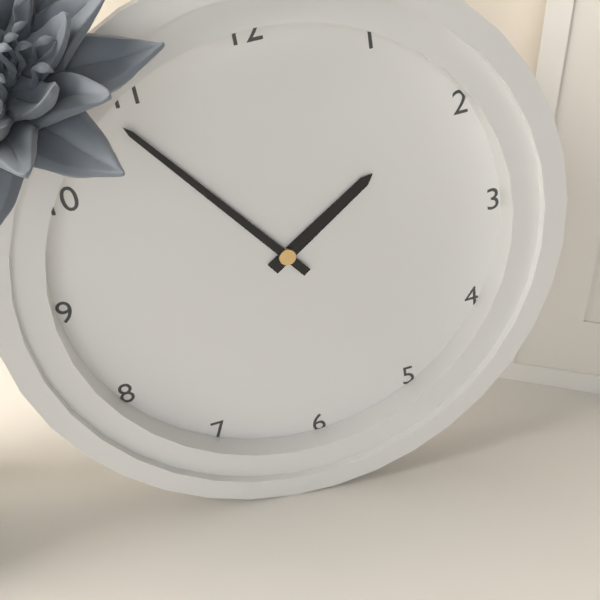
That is 1:54
